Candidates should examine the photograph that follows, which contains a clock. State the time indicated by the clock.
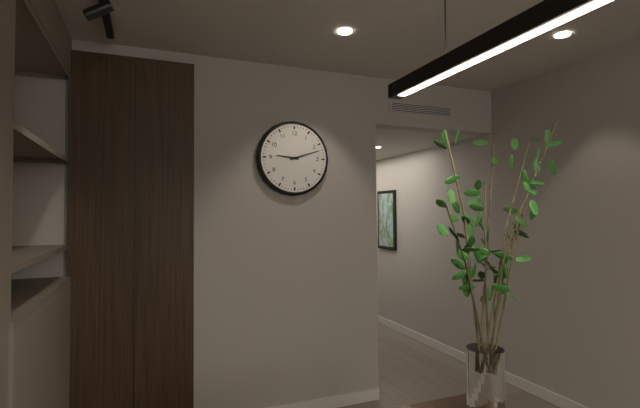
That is 9:12
